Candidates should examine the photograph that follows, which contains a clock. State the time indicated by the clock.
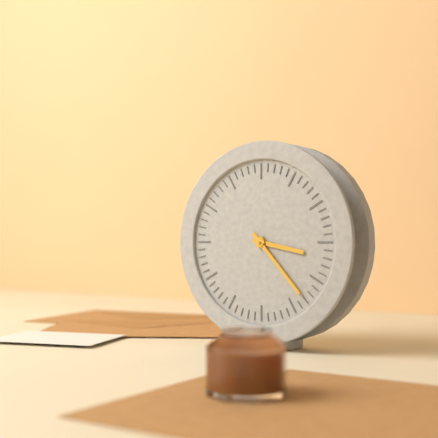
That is 3:23
